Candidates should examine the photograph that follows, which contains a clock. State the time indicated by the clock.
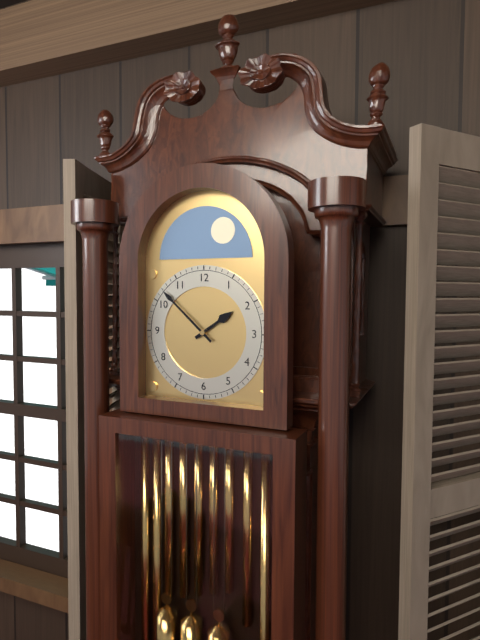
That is 1:52
